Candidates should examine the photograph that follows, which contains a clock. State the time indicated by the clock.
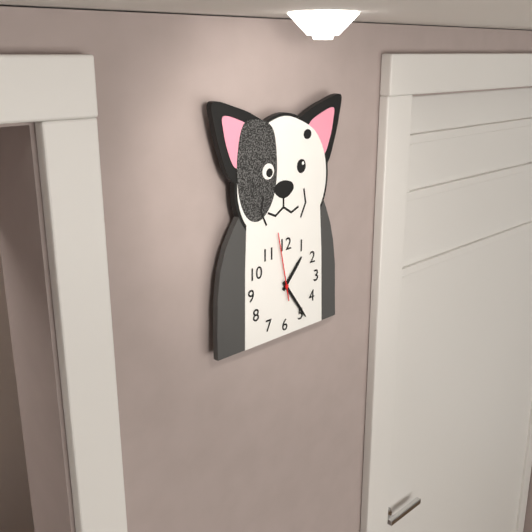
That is 1:24:58
